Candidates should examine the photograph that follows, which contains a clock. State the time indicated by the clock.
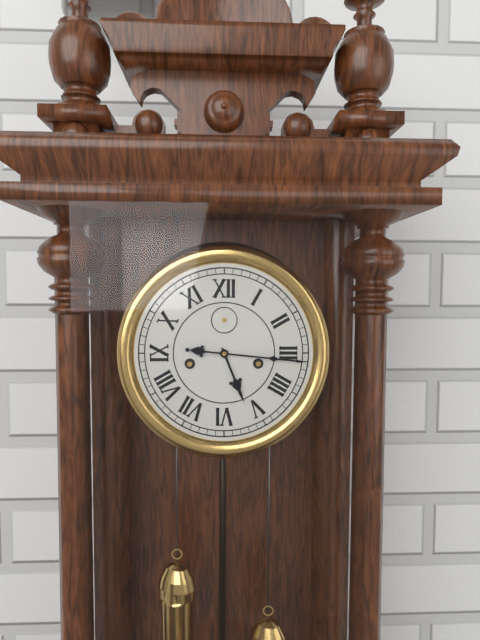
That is 5:16
